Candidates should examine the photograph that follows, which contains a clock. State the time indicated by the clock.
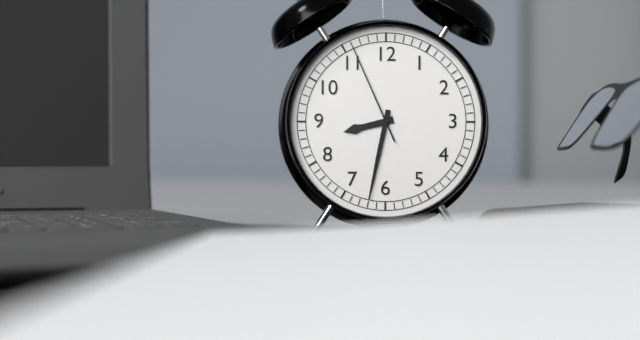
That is 8:32:56
